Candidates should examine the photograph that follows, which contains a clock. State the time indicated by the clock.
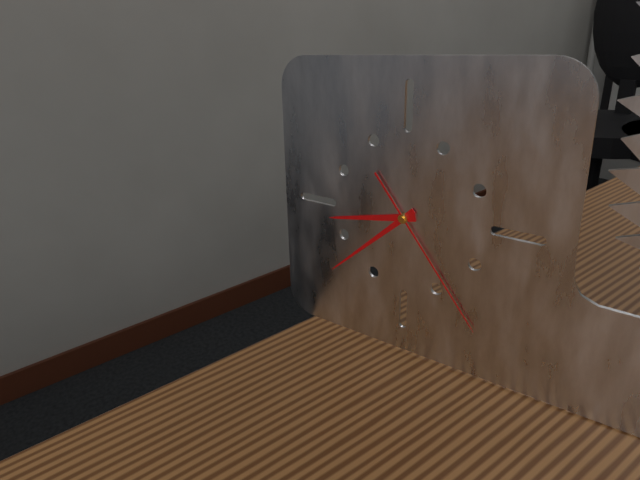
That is 8:38:24
